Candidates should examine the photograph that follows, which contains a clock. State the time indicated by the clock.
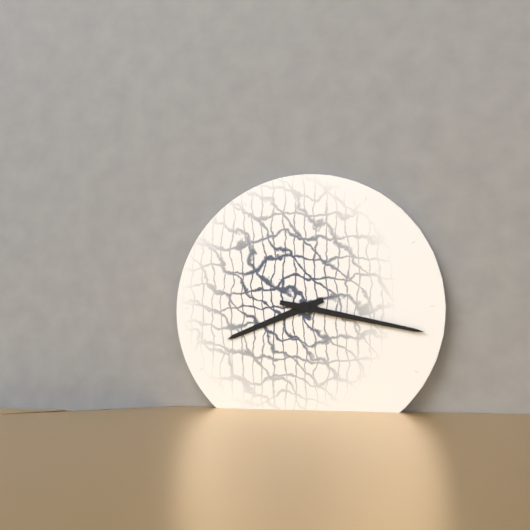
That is 8:17
